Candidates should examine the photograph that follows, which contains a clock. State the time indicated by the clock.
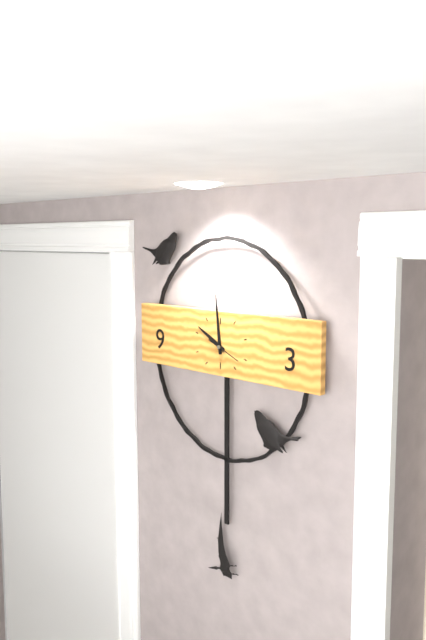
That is 9:59
